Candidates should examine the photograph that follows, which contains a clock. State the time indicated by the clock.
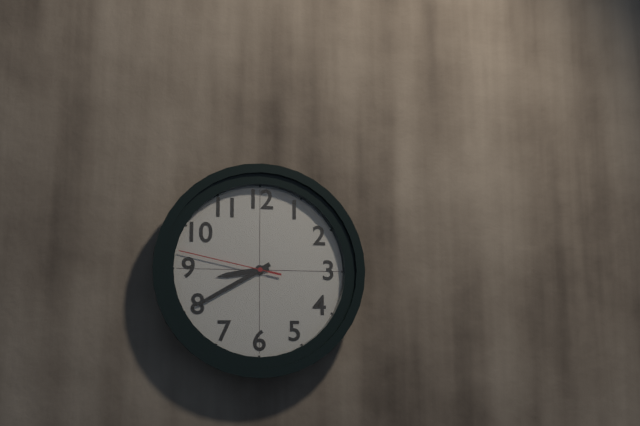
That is 8:40:47
